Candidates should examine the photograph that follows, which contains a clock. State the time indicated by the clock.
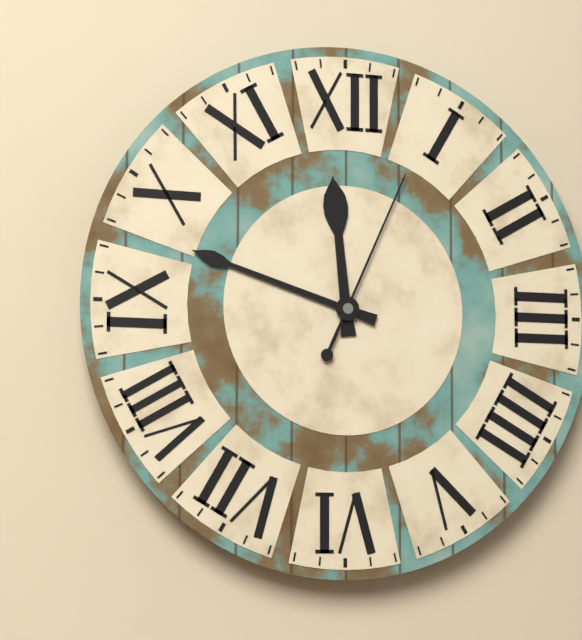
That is 11:48:04
